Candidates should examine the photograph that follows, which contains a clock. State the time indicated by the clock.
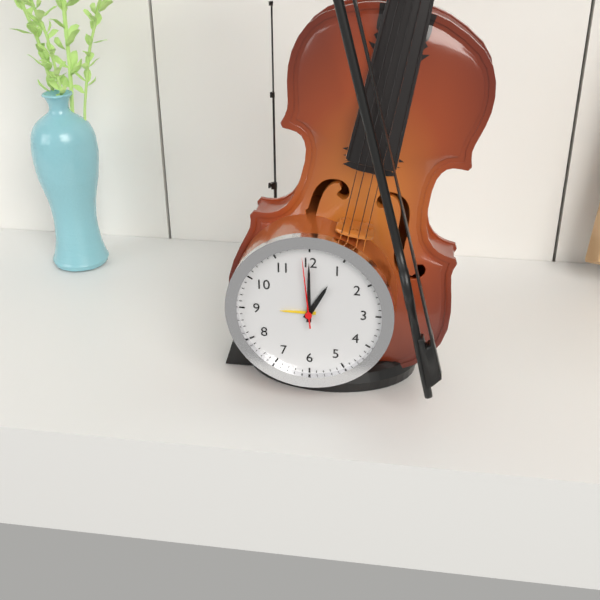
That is 1:00:59
